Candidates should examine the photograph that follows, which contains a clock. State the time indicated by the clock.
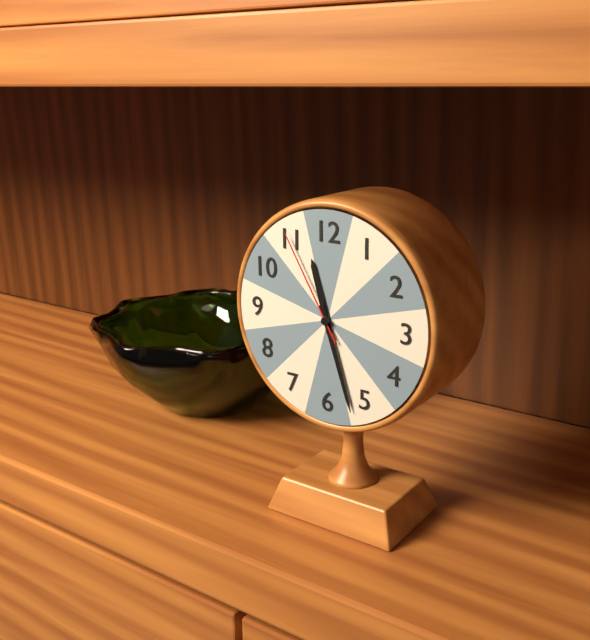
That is 11:27:55
